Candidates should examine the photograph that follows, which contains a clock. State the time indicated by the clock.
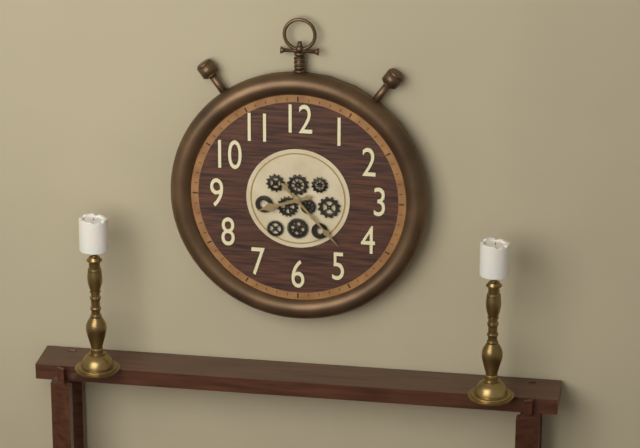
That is 8:23
